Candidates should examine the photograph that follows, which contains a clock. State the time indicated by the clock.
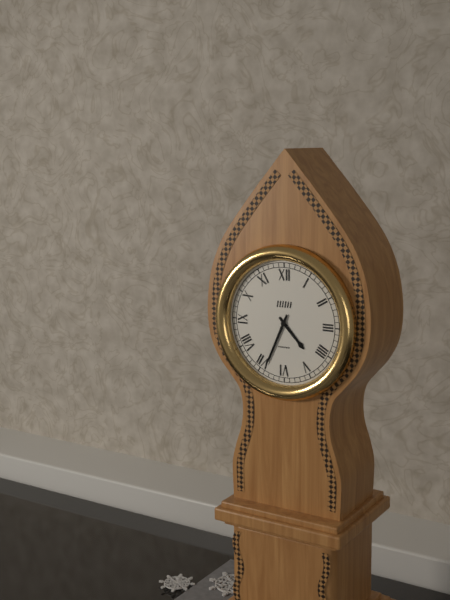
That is 4:34
